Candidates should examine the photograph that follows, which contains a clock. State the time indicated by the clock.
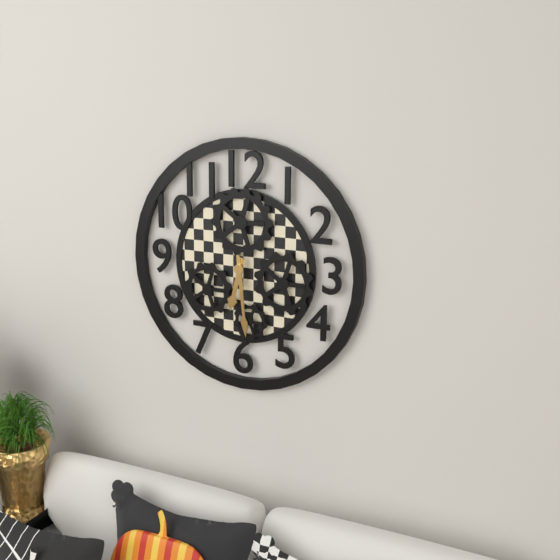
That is 6:29
